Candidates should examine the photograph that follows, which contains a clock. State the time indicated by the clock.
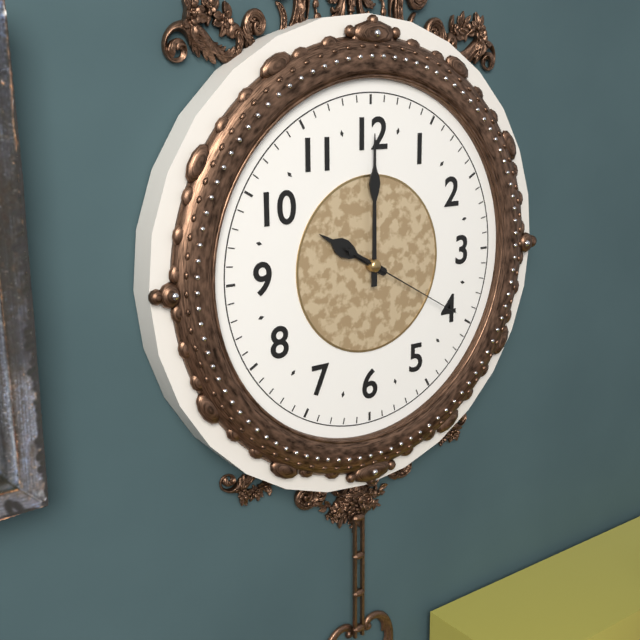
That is 10:00:20
